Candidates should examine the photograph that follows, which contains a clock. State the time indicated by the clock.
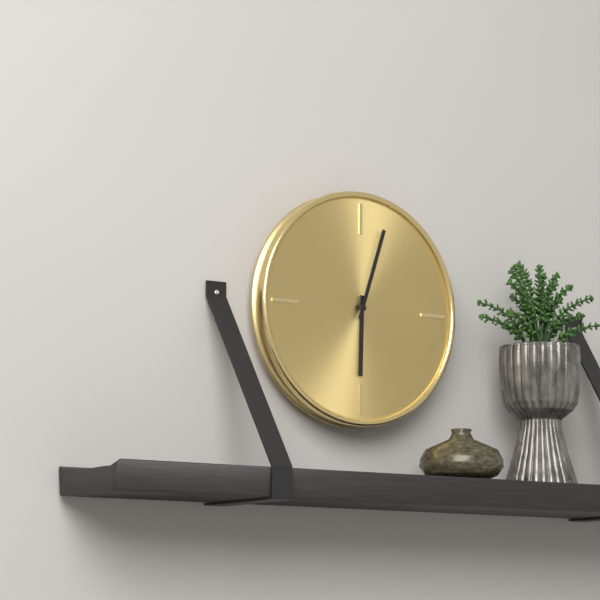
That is 6:03
